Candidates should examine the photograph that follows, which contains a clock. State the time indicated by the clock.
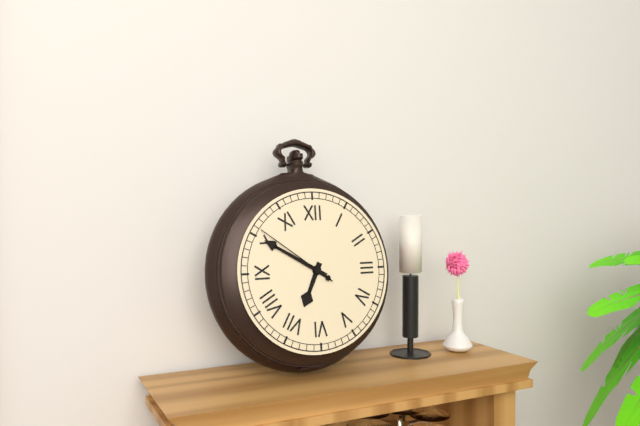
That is 6:50:51
